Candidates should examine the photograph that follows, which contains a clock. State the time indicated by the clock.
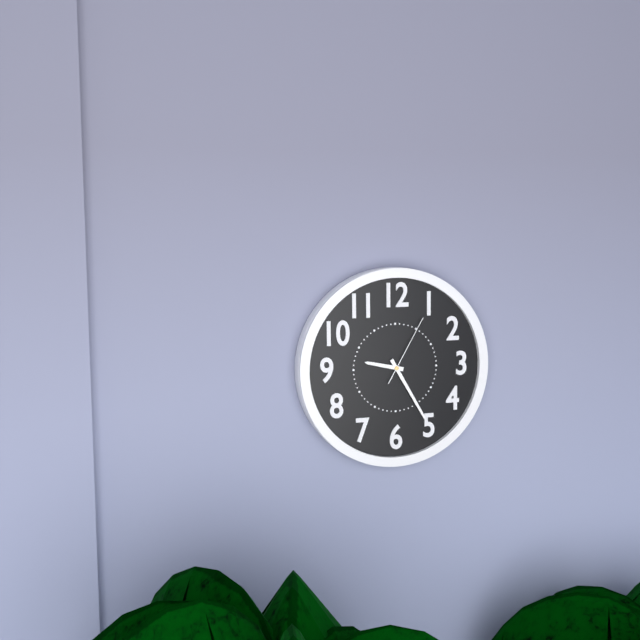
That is 9:25:05
